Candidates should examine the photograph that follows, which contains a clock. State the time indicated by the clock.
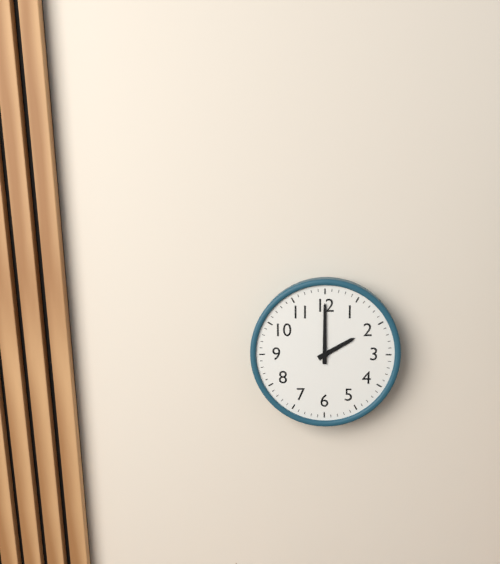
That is 2:00
